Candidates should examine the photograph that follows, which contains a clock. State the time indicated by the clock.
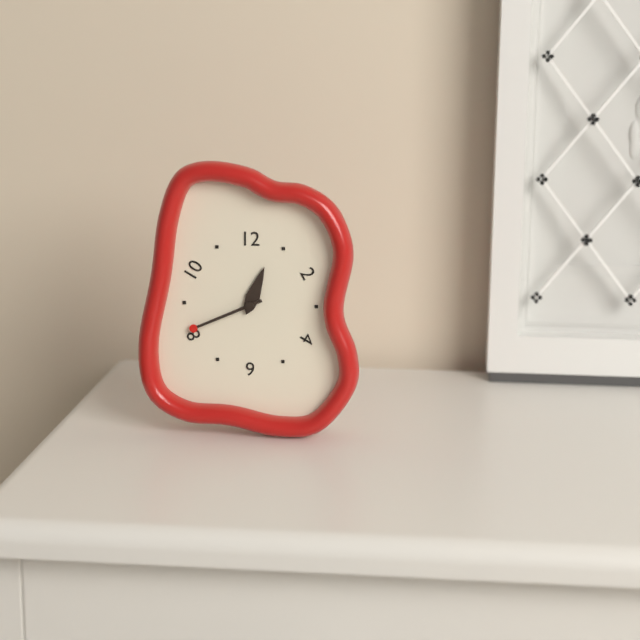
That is 12:41
